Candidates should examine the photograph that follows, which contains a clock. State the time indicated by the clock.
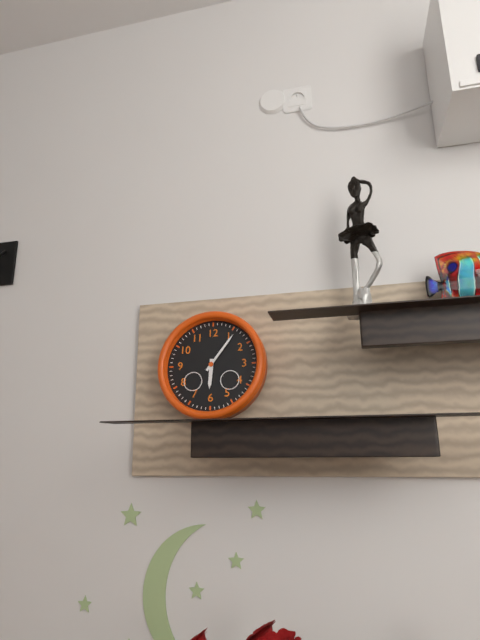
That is 6:06
